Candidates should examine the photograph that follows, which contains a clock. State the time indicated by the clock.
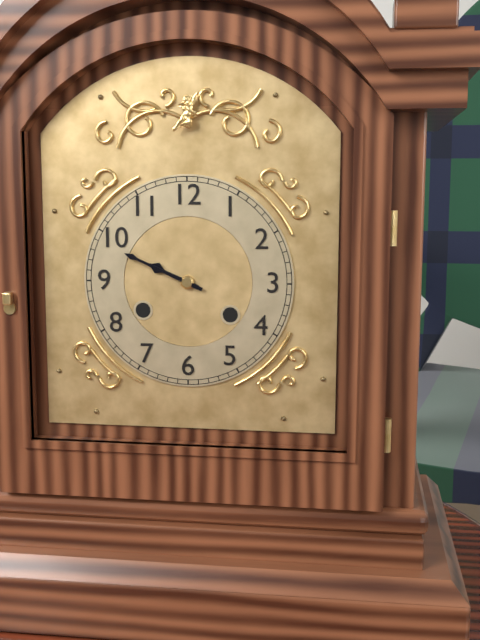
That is 9:49
